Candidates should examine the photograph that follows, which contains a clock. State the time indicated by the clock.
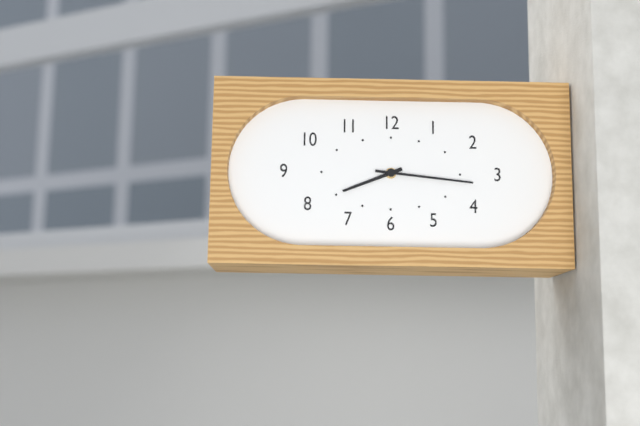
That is 8:16
